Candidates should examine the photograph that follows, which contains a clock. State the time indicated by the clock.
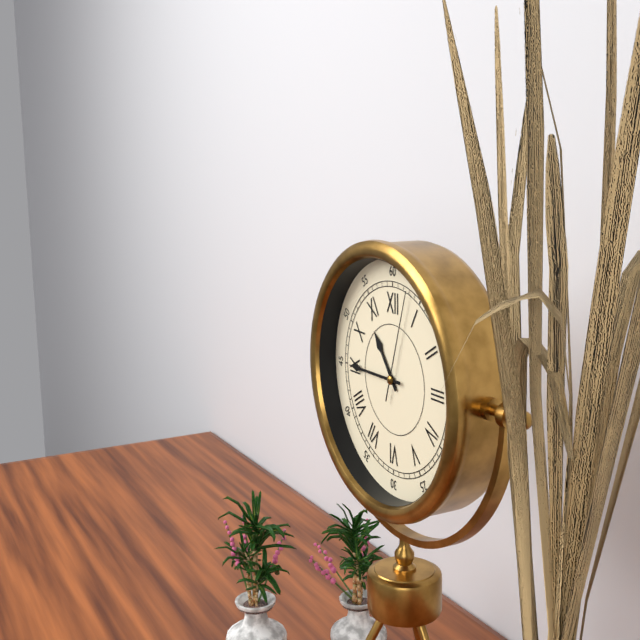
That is 10:45:03
